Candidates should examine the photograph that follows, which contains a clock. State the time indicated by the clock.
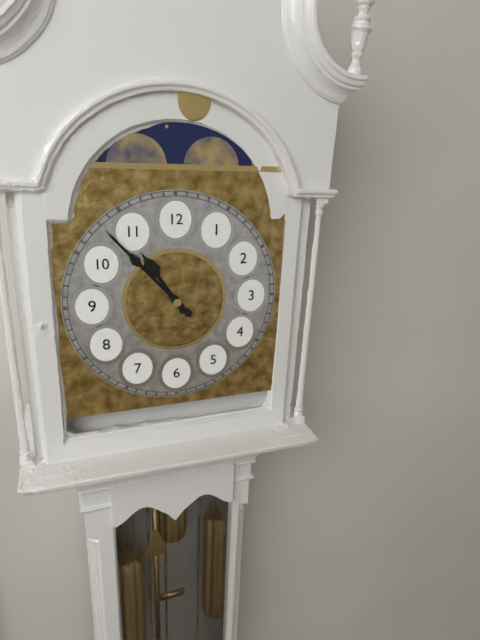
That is 10:53
